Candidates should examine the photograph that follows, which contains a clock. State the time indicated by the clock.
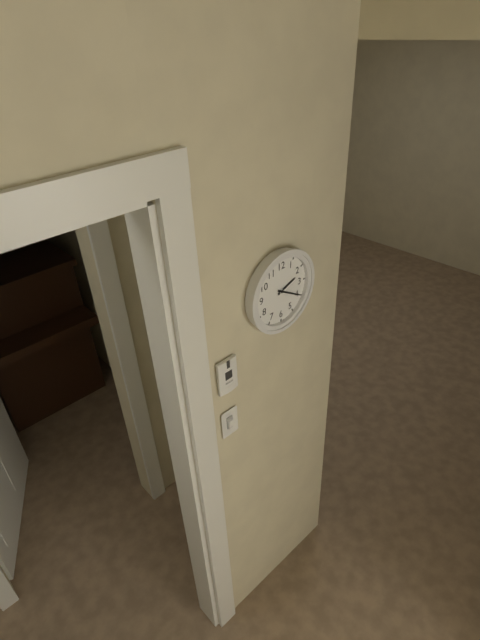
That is 2:20
